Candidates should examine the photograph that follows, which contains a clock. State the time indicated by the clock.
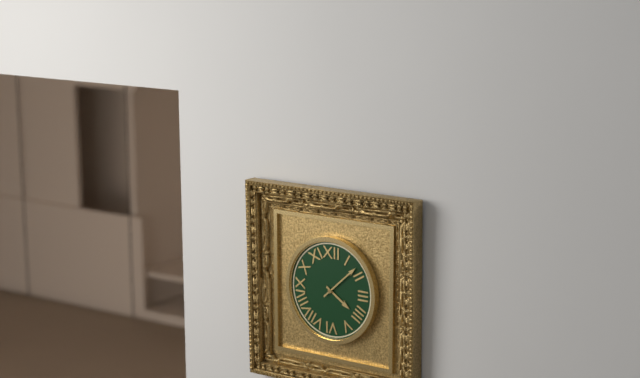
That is 4:08
